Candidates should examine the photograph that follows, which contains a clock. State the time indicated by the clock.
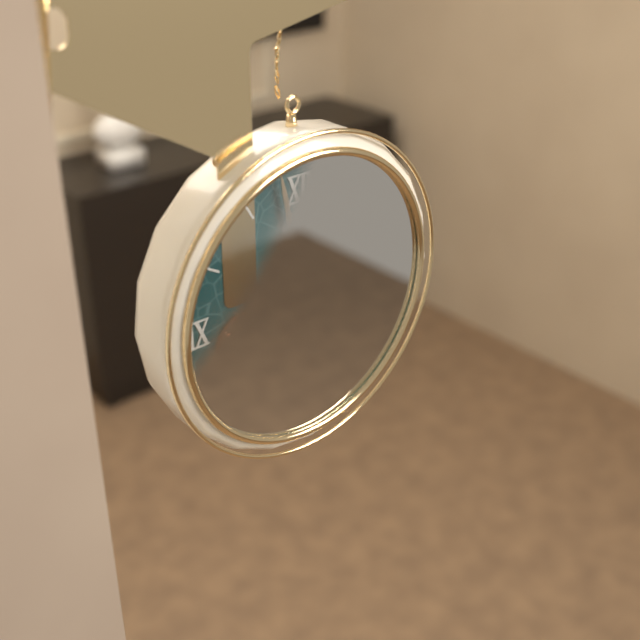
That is 7:58:15
